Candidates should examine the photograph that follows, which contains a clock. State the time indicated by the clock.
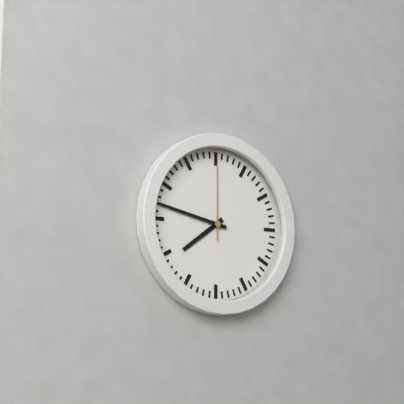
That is 7:47:00
